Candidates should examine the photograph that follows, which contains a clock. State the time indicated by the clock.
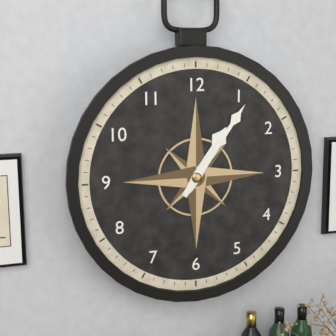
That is 1:06
